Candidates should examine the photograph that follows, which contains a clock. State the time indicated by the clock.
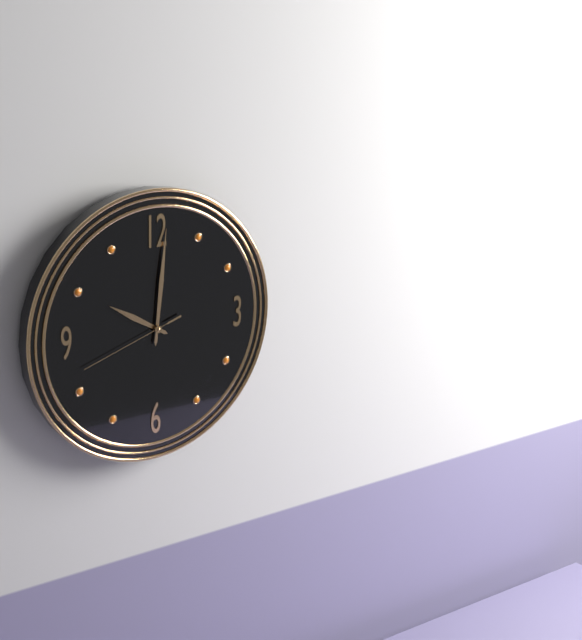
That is 10:01:42
